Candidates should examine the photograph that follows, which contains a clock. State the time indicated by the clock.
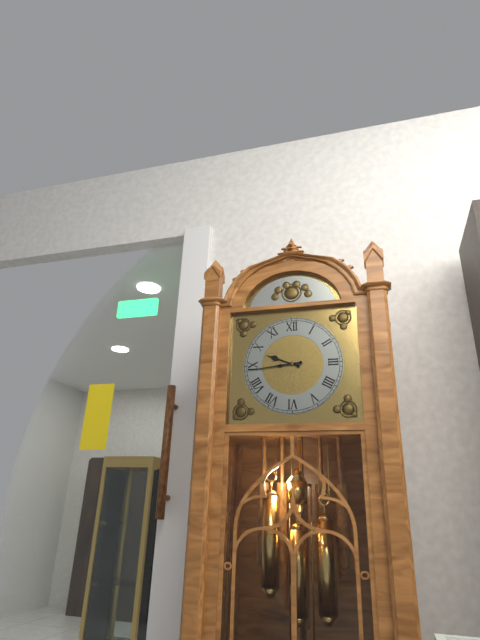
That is 9:44
